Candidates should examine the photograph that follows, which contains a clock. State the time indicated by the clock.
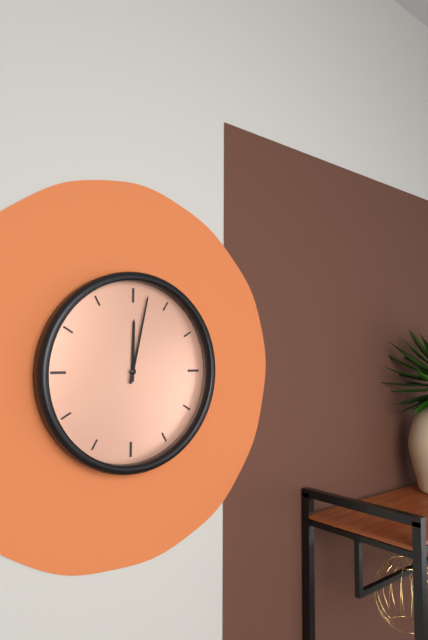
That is 12:02
